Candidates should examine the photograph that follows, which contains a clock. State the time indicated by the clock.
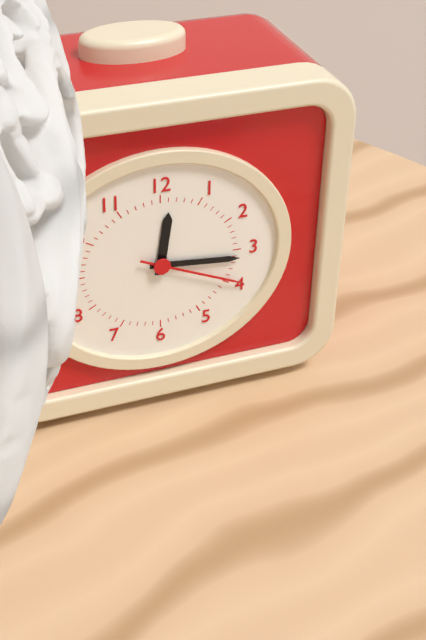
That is 12:16:19
